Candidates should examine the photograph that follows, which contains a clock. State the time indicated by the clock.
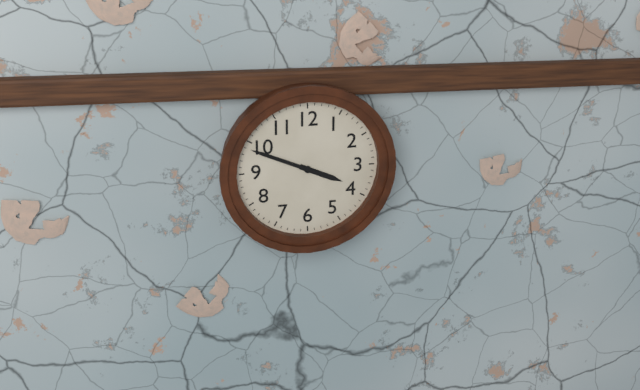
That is 3:49
